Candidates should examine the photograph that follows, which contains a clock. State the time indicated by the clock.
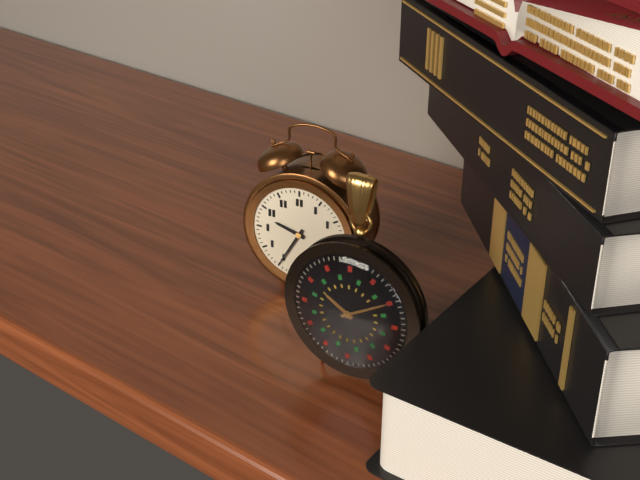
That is 9:35
